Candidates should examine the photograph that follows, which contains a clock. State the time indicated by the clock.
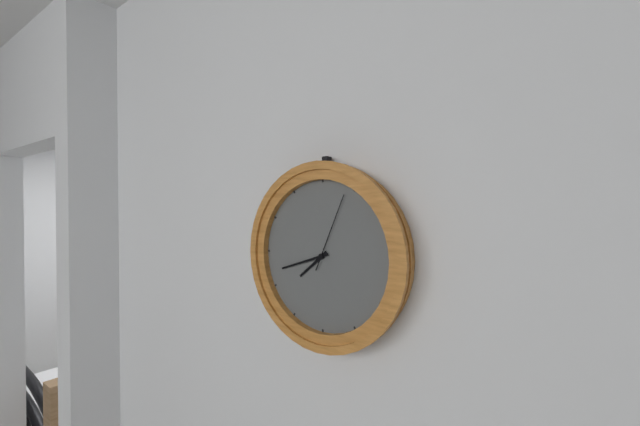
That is 7:42:04
